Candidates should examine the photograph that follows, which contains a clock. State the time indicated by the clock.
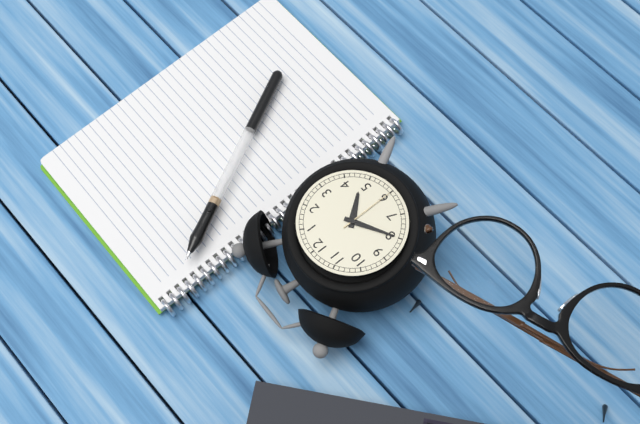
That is 4:40:30
